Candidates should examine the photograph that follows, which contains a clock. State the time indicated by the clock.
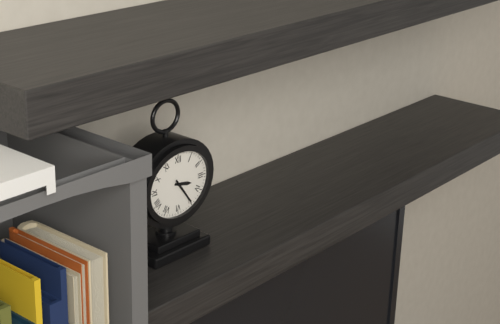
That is 3:24
